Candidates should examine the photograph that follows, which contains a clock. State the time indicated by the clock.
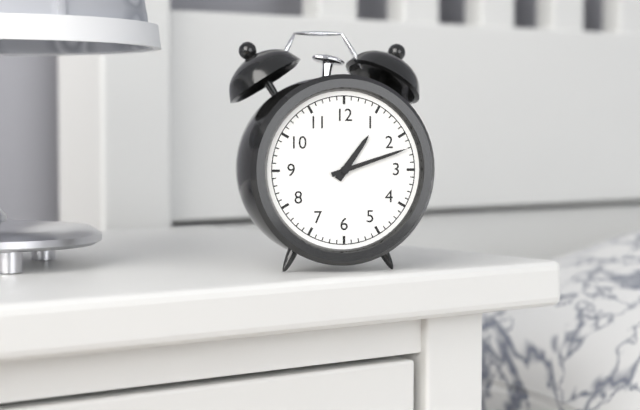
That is 1:12
